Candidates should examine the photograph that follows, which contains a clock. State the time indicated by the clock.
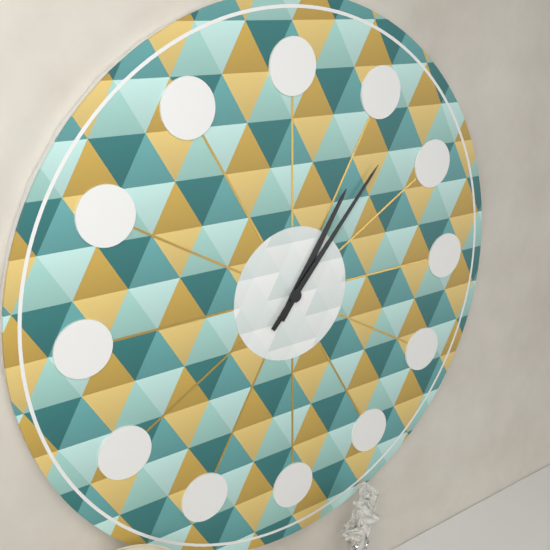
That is 1:07
